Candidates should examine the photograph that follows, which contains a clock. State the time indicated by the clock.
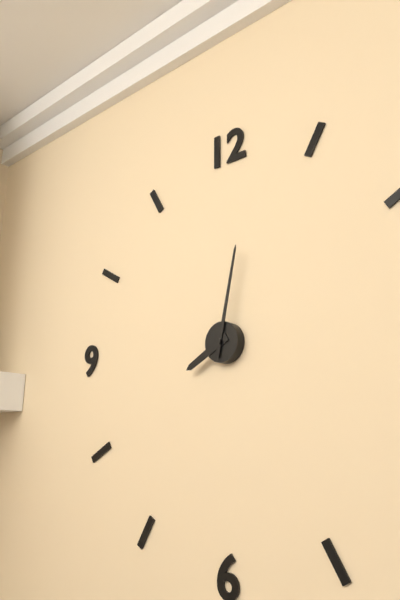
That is 8:02
